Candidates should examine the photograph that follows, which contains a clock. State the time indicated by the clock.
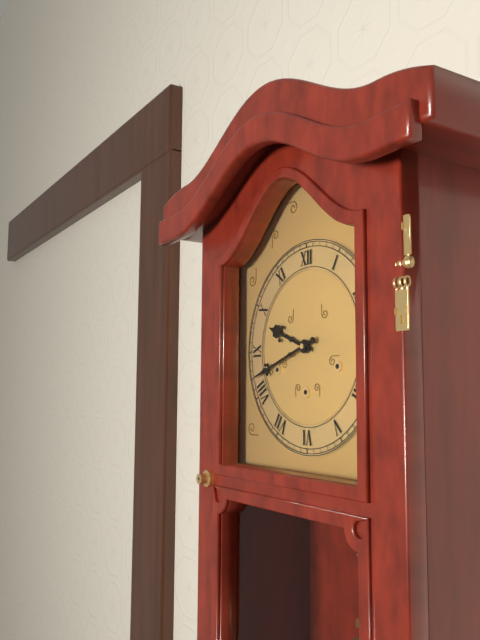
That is 9:42
